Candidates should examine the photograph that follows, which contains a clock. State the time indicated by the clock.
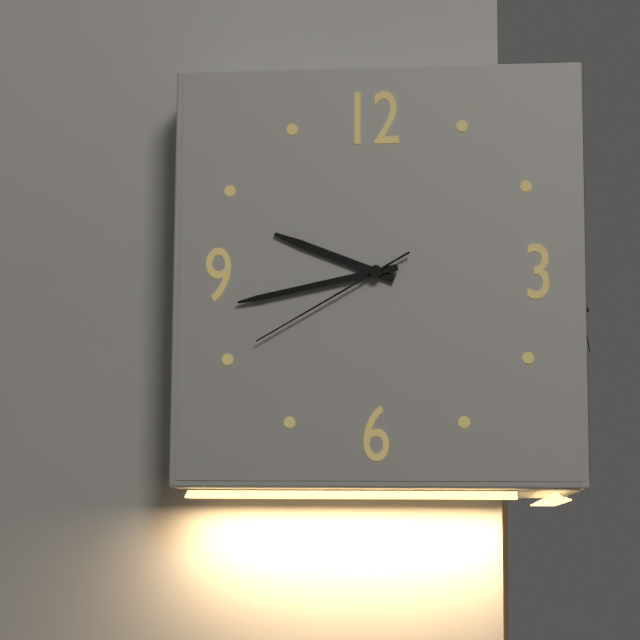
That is 9:43:40
